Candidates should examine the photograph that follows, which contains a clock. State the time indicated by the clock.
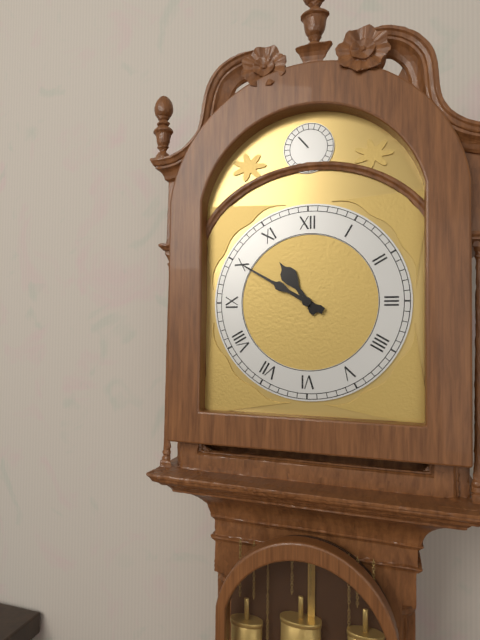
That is 10:50
